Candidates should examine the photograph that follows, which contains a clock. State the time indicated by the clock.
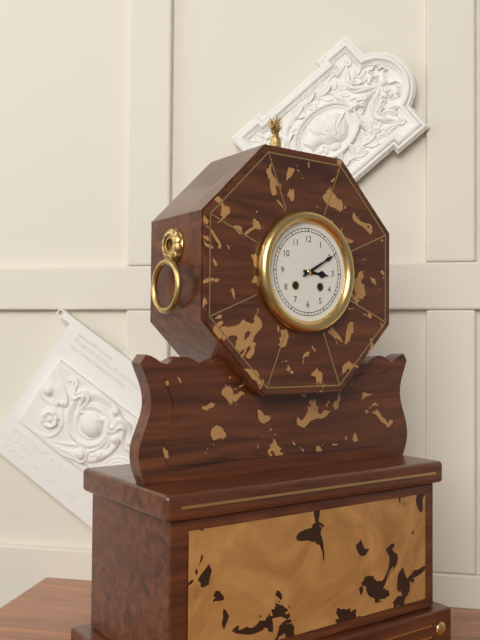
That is 3:10
